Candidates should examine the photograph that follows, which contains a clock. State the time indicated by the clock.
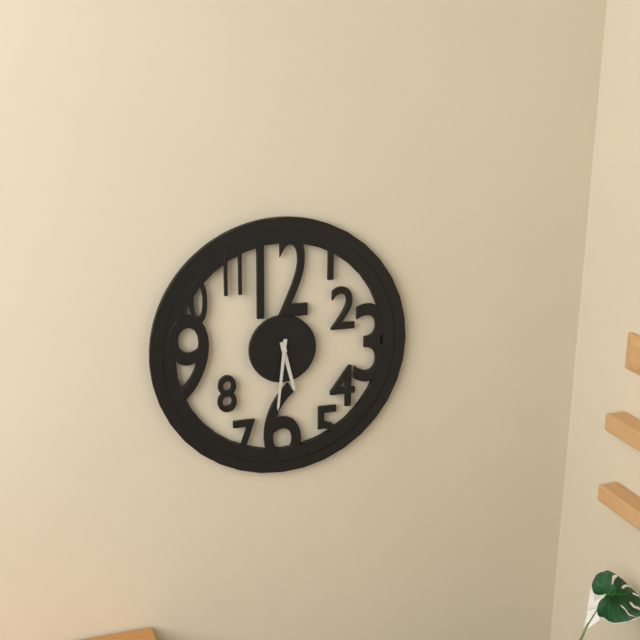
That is 5:31
